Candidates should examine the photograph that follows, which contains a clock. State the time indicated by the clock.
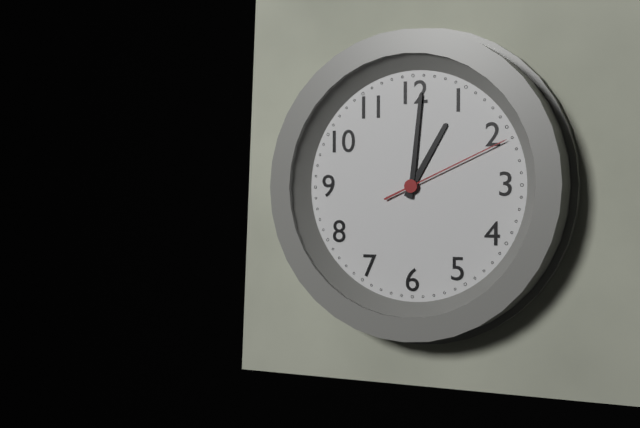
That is 1:01:11
